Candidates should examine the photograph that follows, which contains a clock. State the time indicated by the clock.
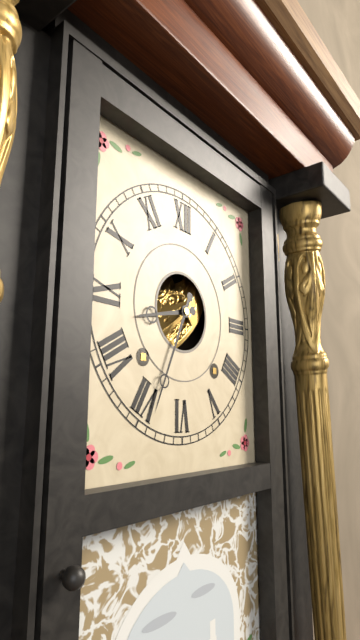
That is 8:34
